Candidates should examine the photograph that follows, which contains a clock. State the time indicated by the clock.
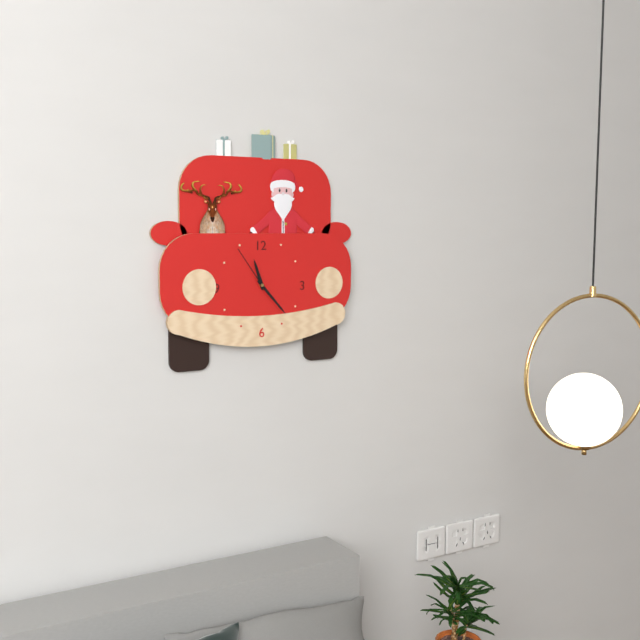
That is 11:23:54
